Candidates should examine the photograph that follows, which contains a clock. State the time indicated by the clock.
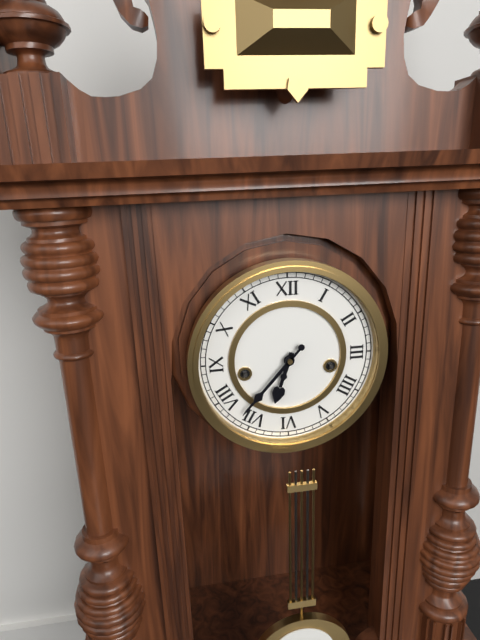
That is 6:37
